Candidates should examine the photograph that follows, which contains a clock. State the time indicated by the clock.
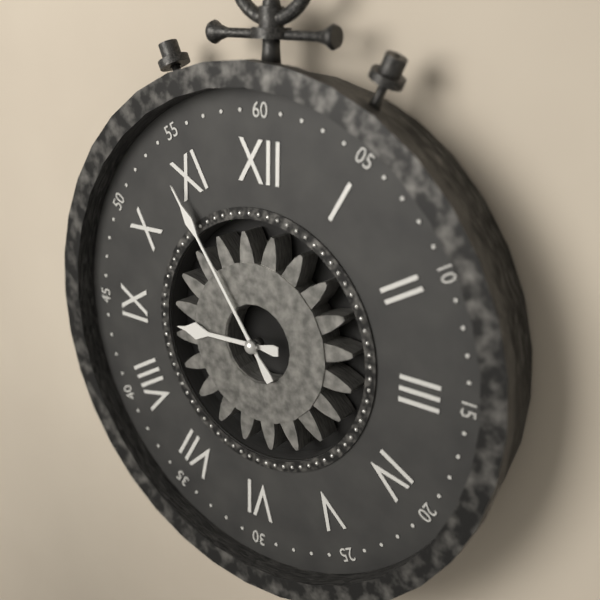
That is 8:54
